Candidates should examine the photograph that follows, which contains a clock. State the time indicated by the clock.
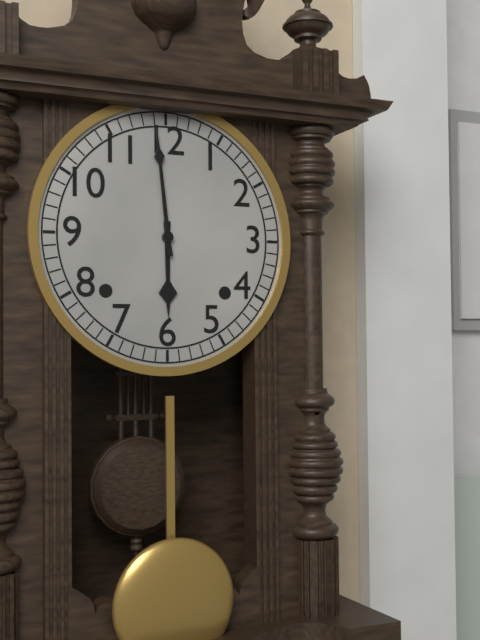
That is 5:59
